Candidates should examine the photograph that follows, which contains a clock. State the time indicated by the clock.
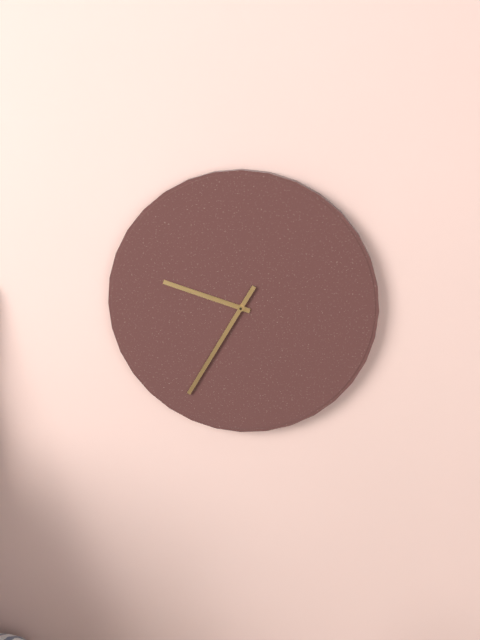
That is 9:35
